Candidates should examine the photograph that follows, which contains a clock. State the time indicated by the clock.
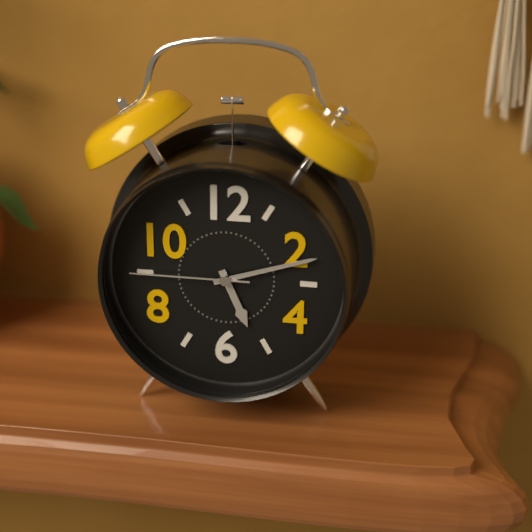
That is 5:12:45
